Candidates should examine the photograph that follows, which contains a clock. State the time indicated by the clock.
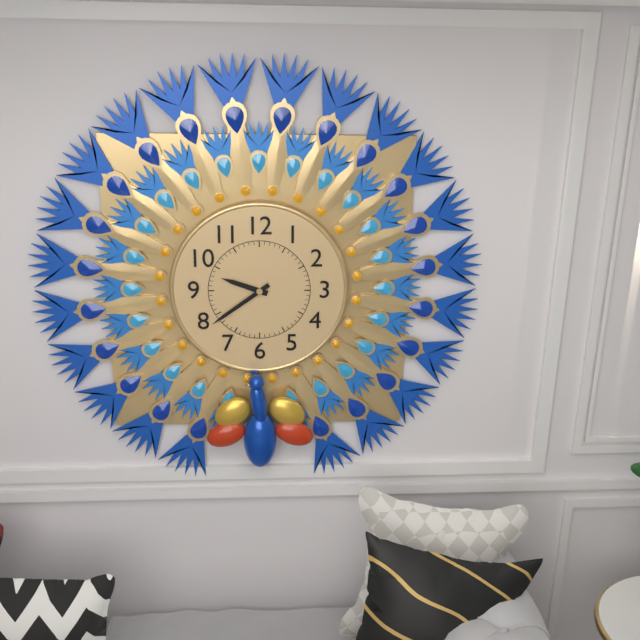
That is 9:39
